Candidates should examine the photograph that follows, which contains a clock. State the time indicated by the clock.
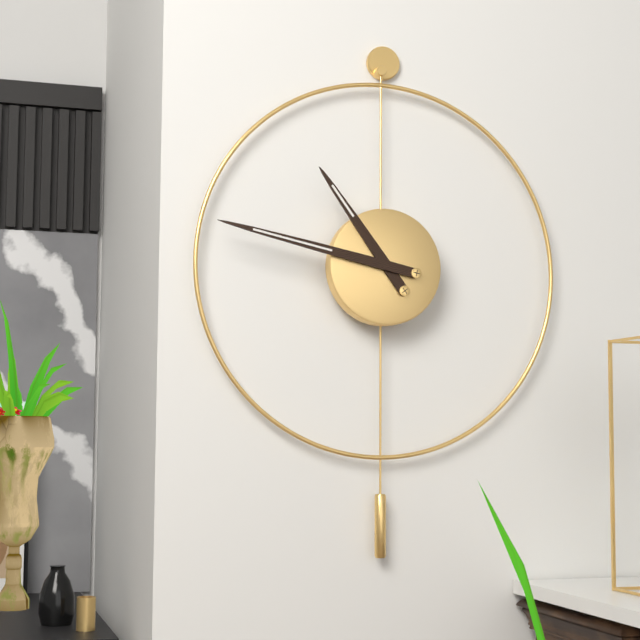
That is 10:47
